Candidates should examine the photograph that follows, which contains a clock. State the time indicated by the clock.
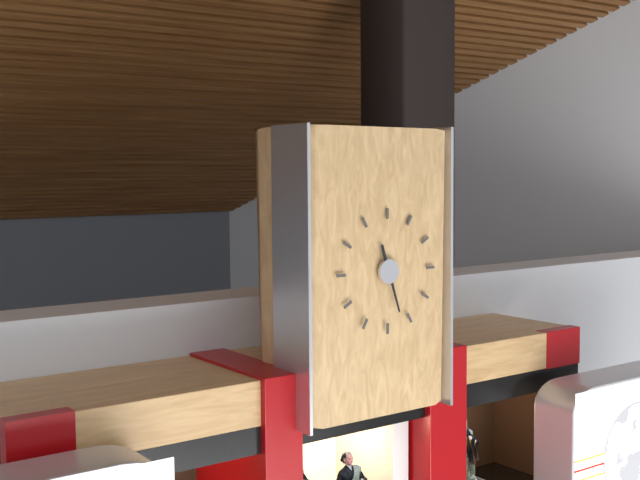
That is 11:27
